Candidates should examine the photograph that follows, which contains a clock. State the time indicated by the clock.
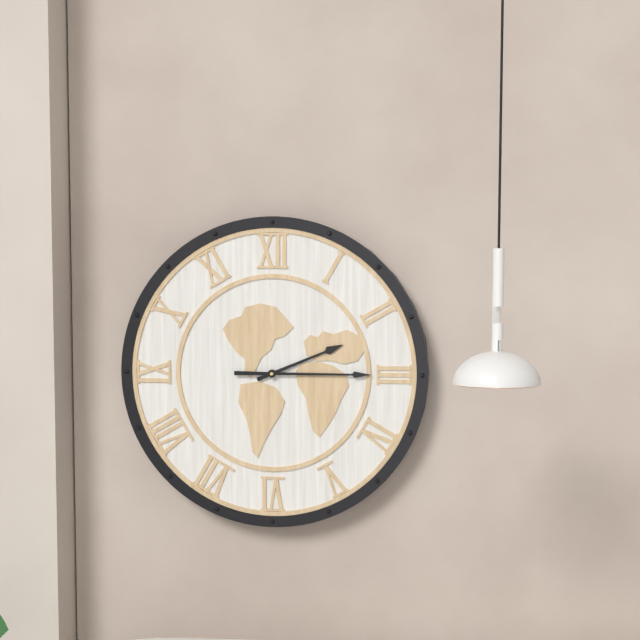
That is 2:15
